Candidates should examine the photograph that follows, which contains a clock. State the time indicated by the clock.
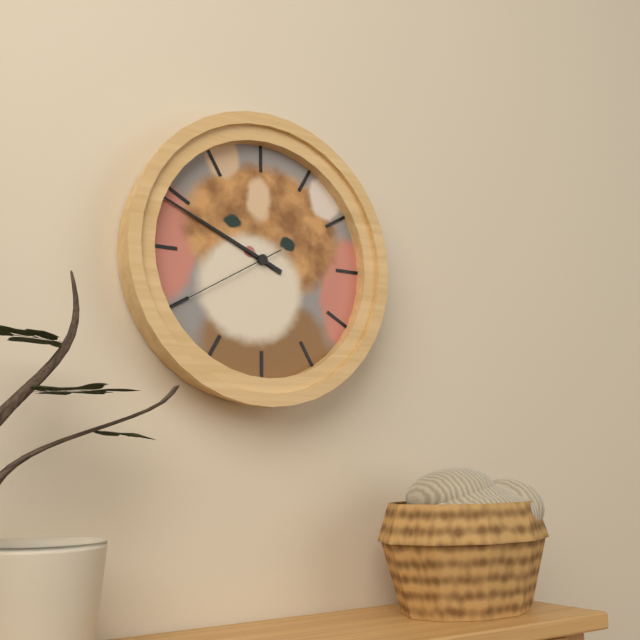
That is 9:49:40
